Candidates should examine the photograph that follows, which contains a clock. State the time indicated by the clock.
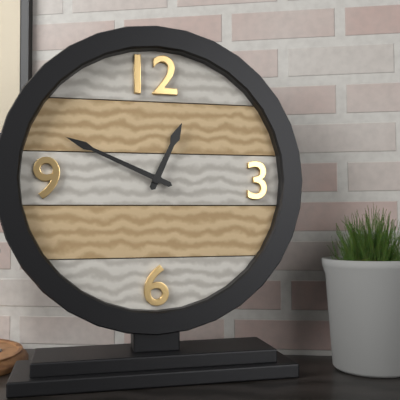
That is 12:49
